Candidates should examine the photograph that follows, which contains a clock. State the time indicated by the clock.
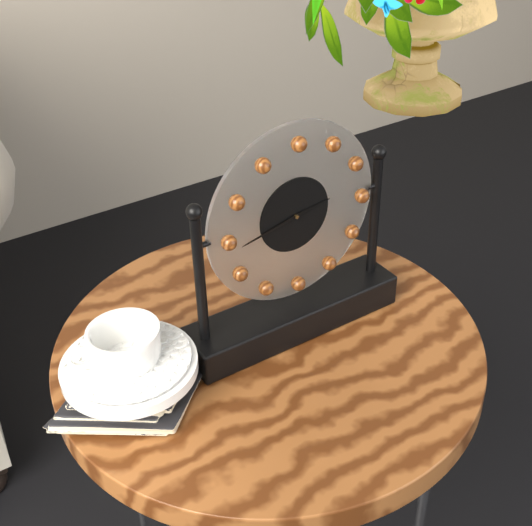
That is 2:43
